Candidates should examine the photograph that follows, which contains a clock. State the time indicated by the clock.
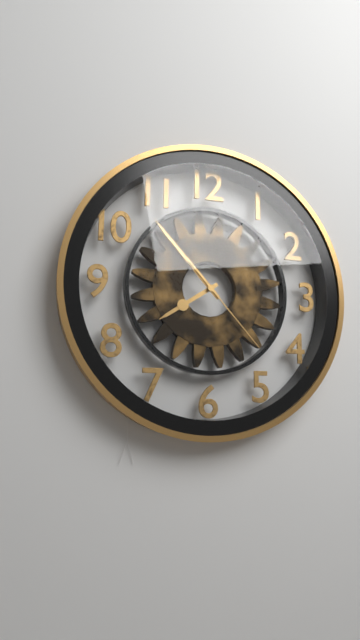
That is 7:53:23
